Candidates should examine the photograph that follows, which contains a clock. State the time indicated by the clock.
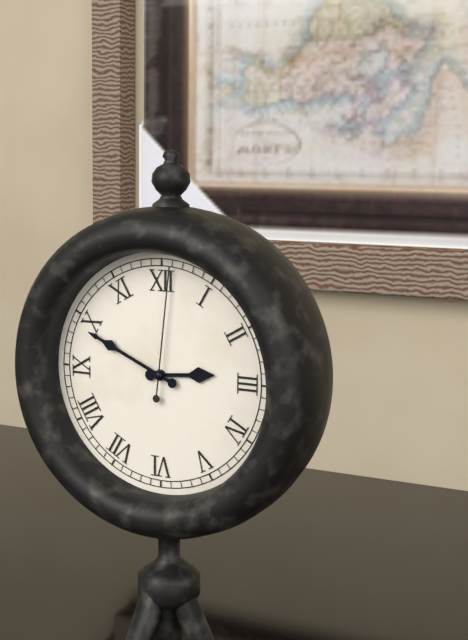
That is 2:49:01
